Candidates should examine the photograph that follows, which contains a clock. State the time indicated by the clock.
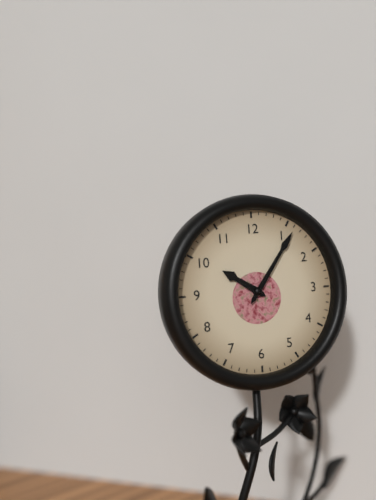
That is 10:06
